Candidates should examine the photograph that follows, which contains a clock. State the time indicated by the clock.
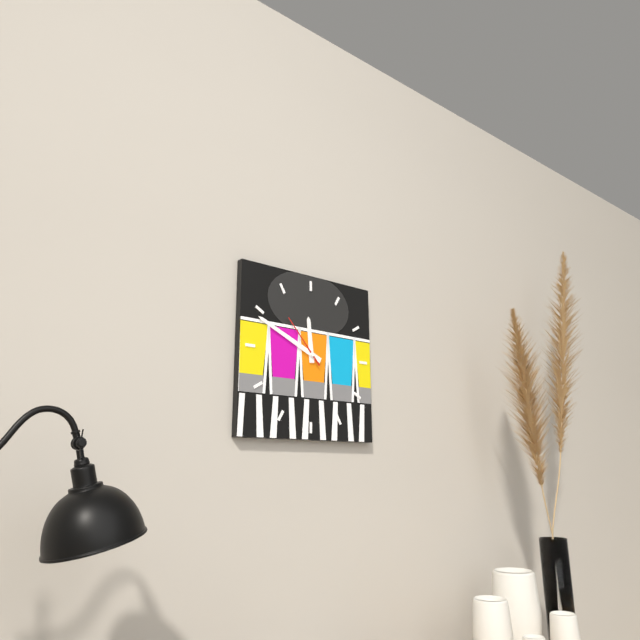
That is 11:49:53
